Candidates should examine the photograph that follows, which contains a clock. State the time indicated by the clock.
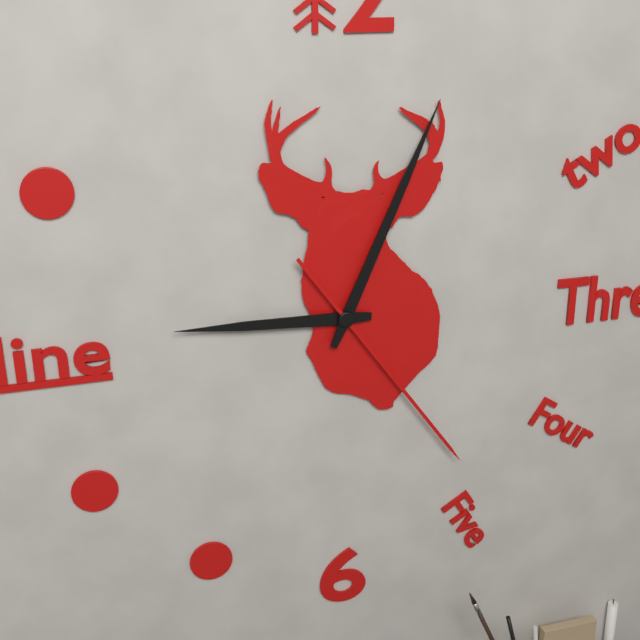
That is 9:04:24
